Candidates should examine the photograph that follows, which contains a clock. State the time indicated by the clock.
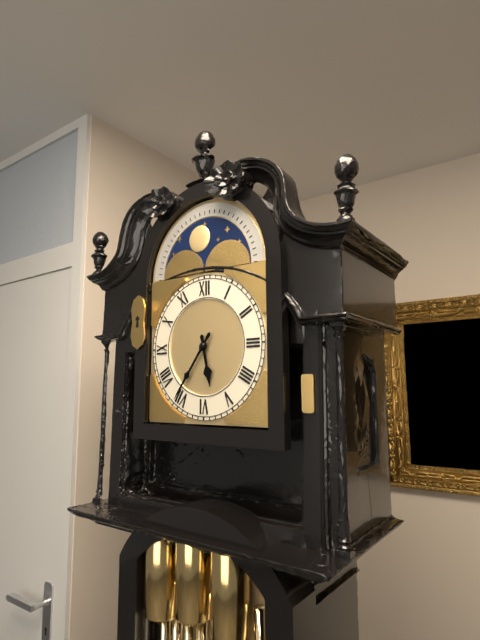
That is 5:36
